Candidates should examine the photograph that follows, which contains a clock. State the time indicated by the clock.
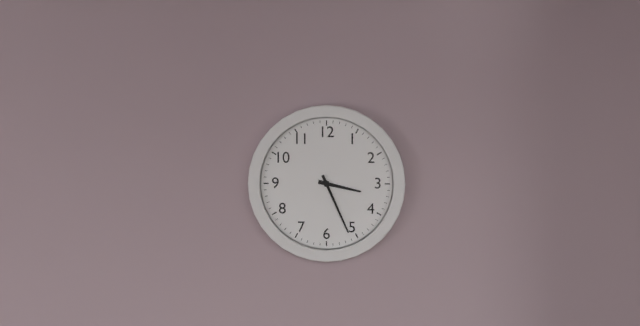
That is 3:26
